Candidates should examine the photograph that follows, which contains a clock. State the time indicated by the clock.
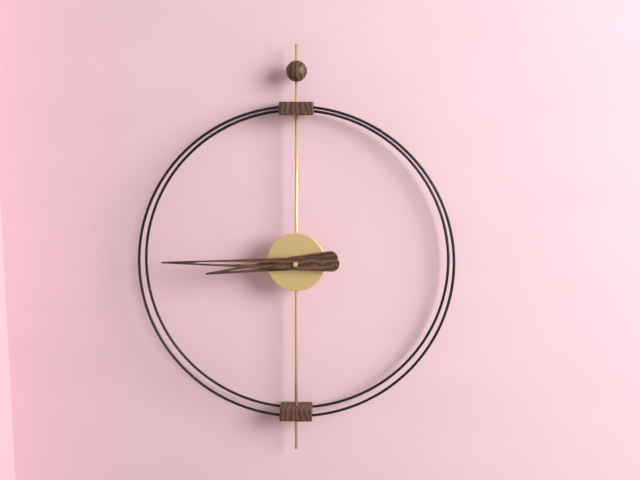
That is 8:45
